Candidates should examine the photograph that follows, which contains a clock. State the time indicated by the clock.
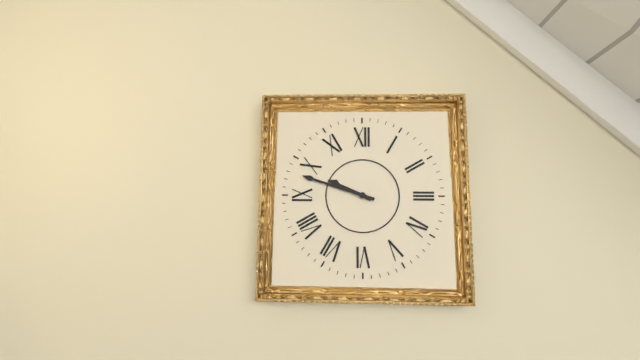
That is 9:48
